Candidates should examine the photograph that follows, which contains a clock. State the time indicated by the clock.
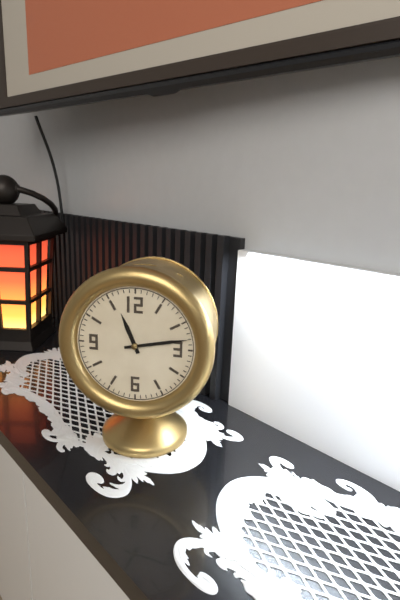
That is 11:13
